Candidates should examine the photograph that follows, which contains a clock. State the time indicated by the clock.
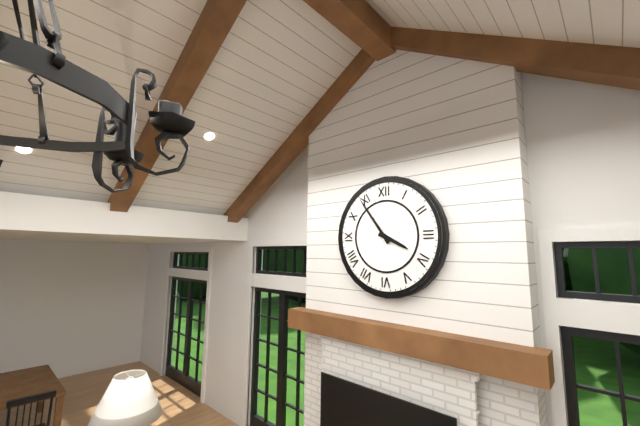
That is 3:54
